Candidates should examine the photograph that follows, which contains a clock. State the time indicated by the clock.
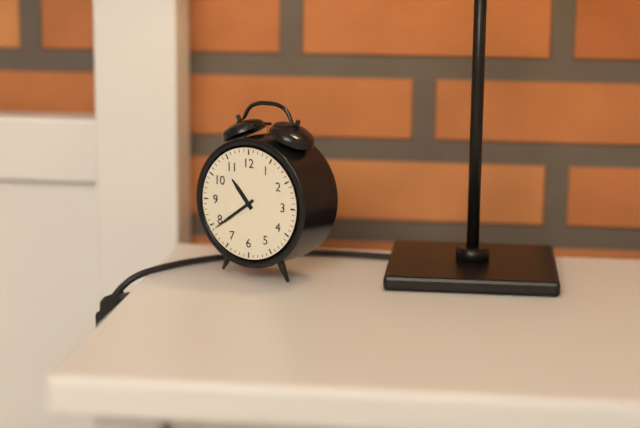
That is 10:39
